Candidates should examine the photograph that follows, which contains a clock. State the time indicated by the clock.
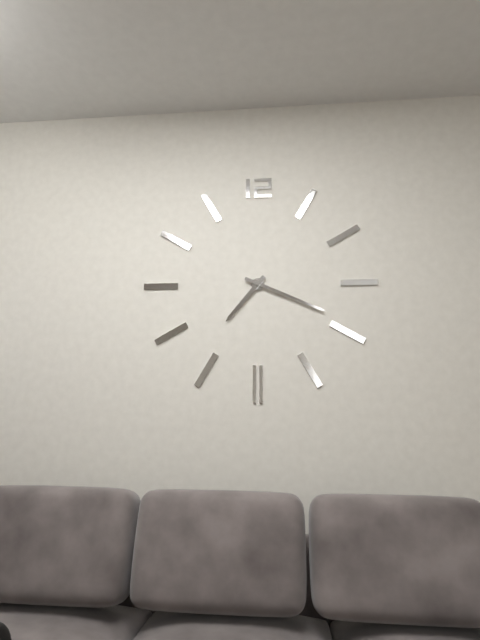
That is 7:19
